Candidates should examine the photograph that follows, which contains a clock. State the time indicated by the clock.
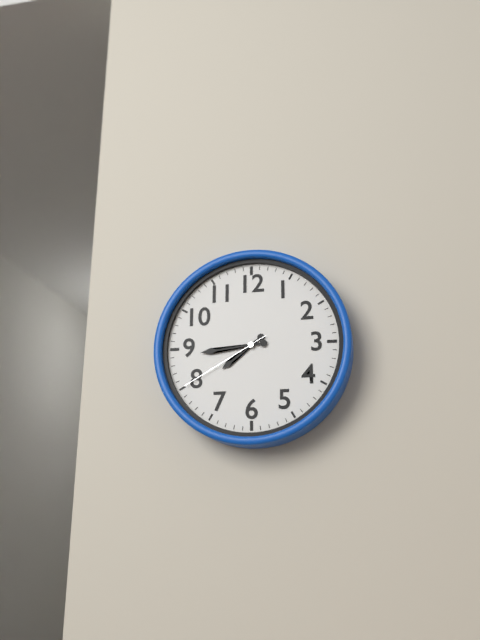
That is 7:44:40
